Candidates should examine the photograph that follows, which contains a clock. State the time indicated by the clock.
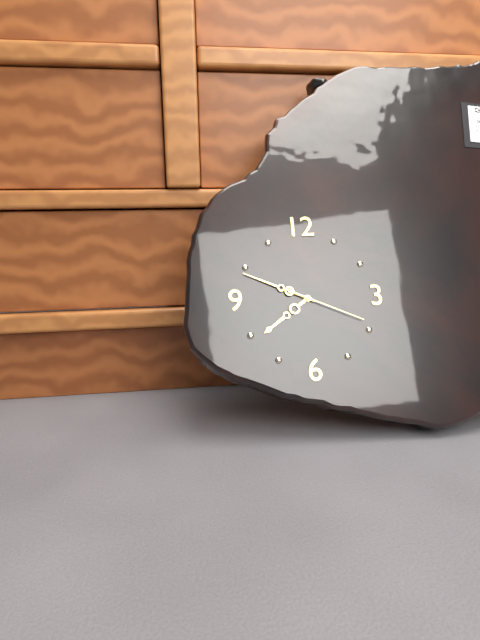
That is 7:49:19
